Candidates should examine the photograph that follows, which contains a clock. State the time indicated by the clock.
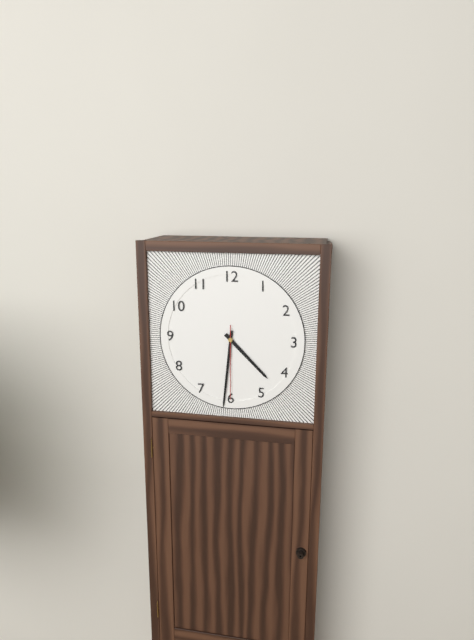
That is 4:31:30
